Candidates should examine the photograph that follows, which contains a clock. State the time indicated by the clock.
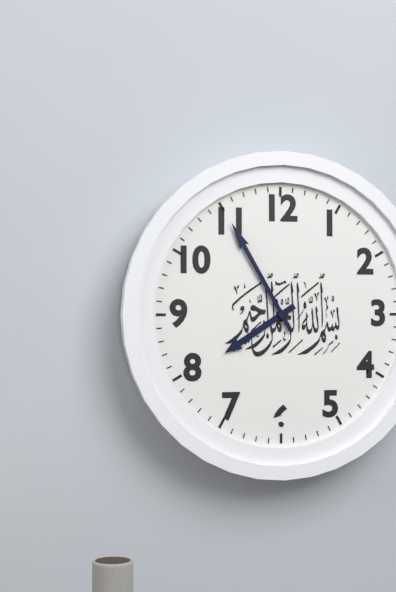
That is 7:55
